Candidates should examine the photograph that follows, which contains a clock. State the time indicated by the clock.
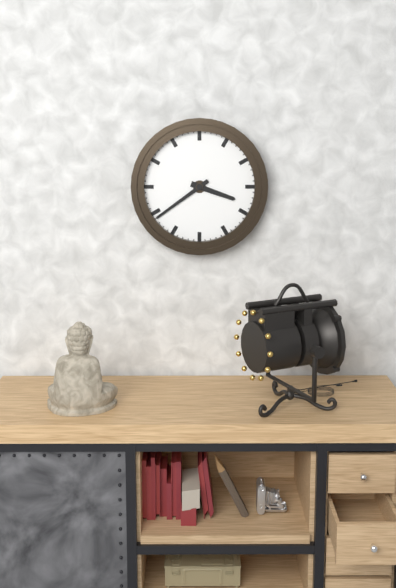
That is 3:39
